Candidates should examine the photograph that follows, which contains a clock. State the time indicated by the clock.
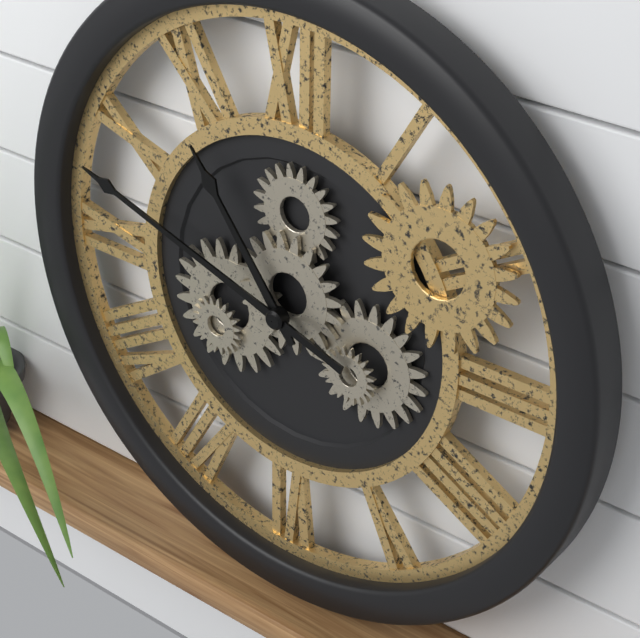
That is 10:48
